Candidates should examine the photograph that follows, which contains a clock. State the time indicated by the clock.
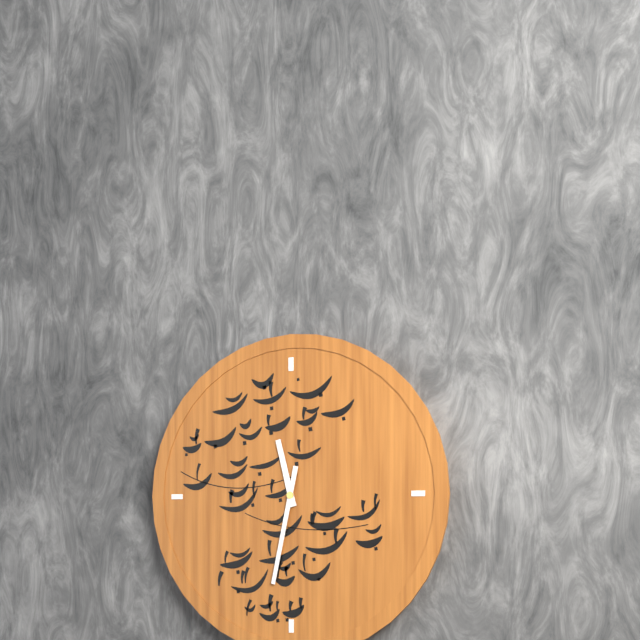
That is 11:32
